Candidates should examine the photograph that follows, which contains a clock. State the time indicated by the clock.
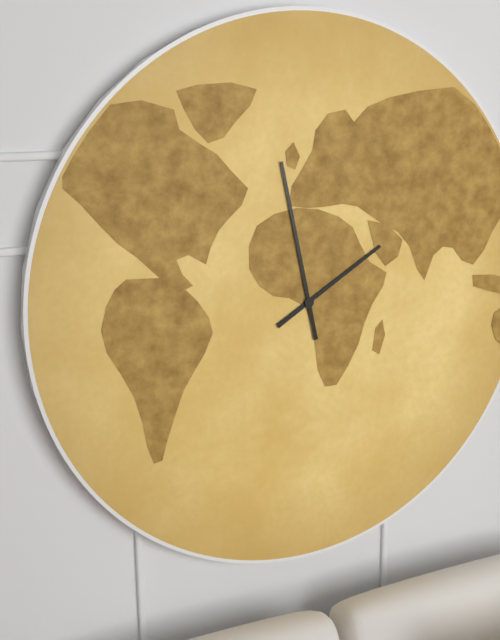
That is 1:58
